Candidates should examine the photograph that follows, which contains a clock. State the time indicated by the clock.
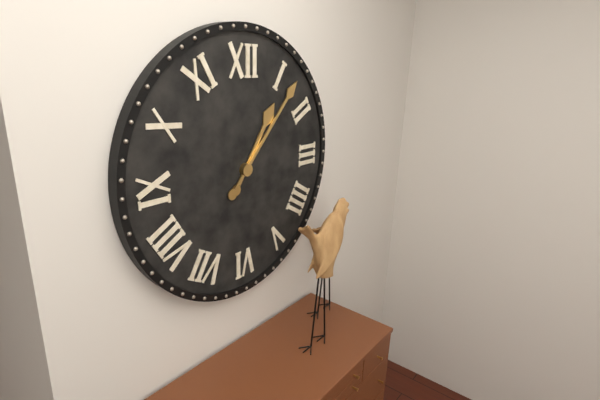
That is 1:07
